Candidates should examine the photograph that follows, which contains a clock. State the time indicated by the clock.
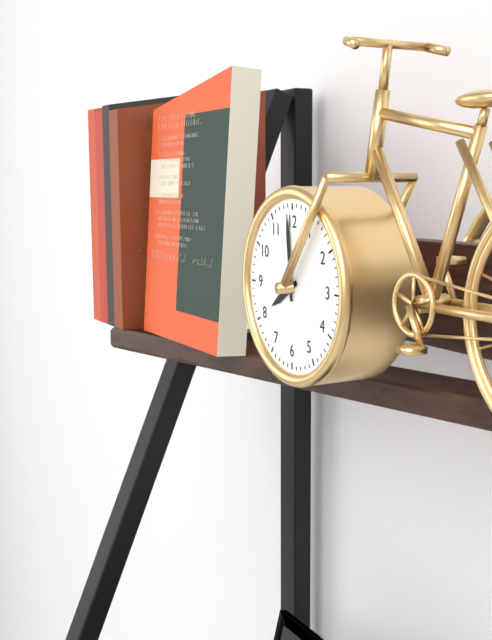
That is 7:59
